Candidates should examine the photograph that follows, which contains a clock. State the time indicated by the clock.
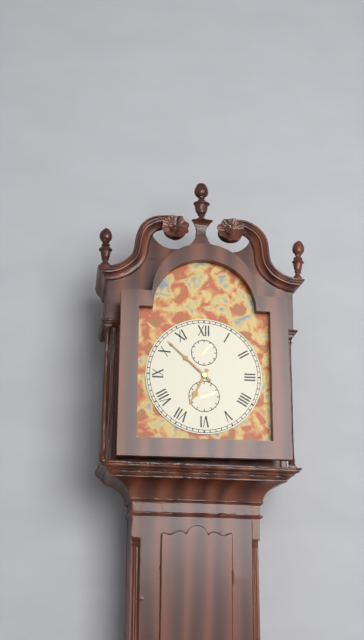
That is 6:52
